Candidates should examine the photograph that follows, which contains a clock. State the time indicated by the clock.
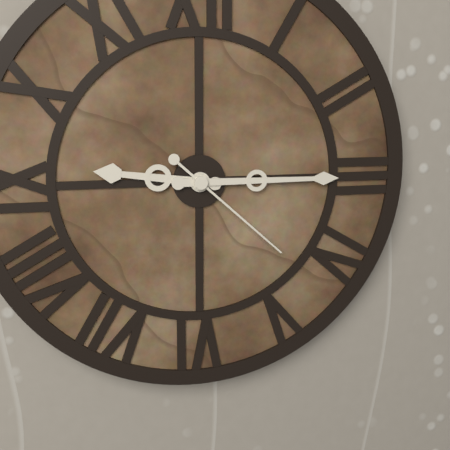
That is 9:15:22
